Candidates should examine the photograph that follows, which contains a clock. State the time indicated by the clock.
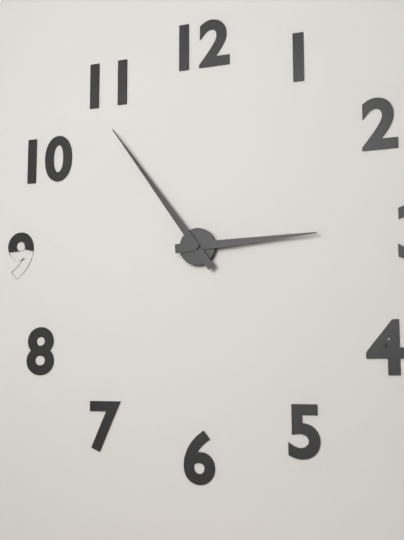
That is 2:54
